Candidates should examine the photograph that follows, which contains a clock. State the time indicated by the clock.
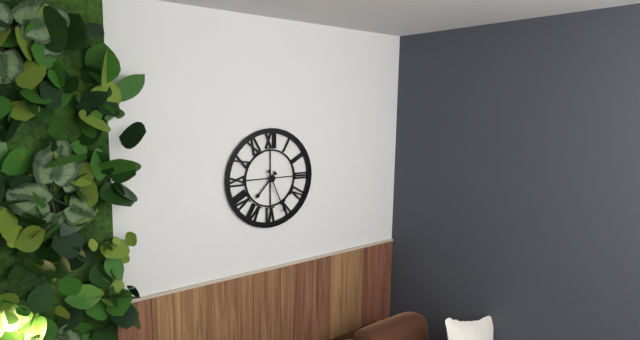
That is 7:26
